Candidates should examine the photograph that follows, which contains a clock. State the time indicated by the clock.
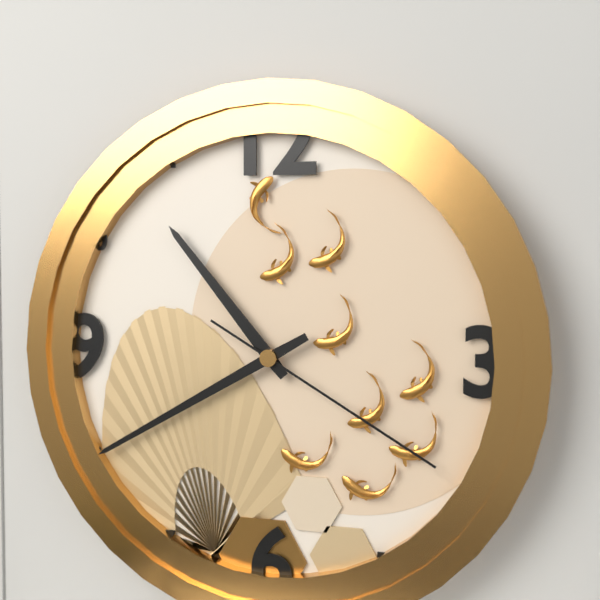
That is 10:40:20
